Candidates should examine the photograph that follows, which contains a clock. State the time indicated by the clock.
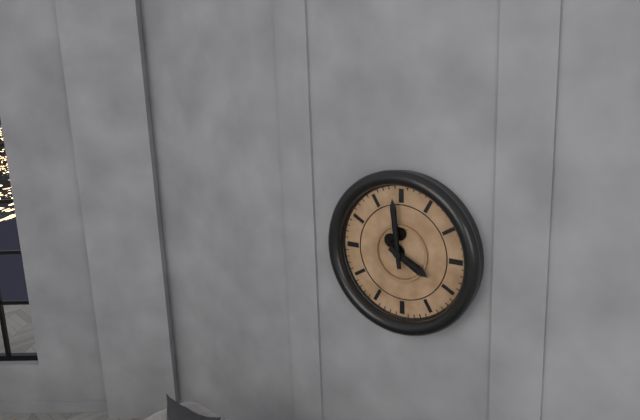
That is 3:59
